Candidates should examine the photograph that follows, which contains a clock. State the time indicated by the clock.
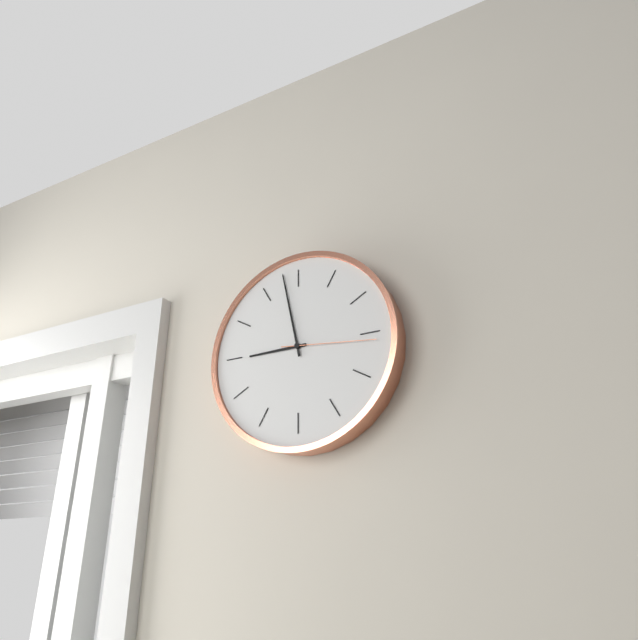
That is 8:58:16
